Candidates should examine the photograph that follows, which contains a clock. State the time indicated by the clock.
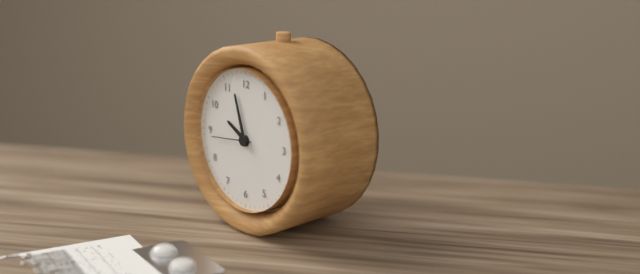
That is 9:57
